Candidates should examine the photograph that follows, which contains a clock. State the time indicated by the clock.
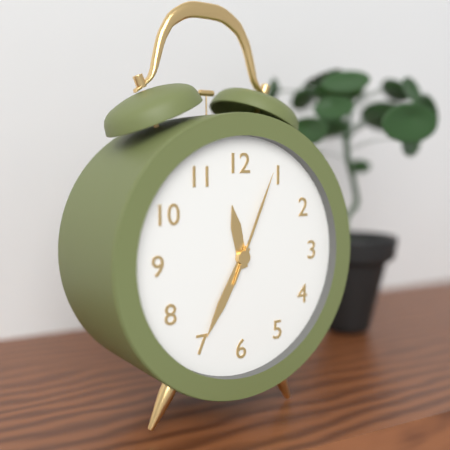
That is 11:35:04
